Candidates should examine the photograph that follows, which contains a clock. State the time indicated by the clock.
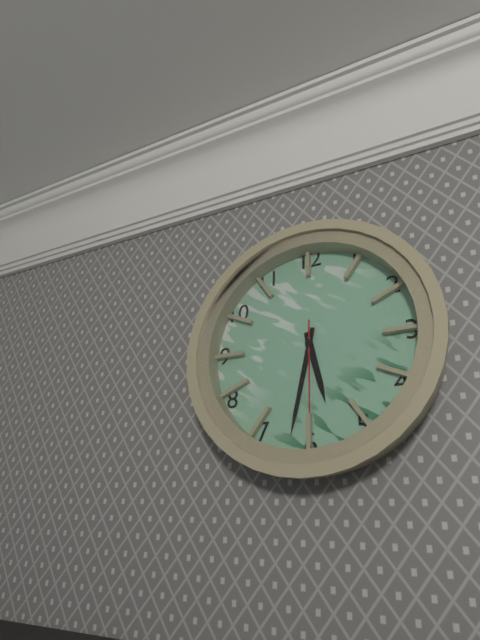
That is 5:32:30
